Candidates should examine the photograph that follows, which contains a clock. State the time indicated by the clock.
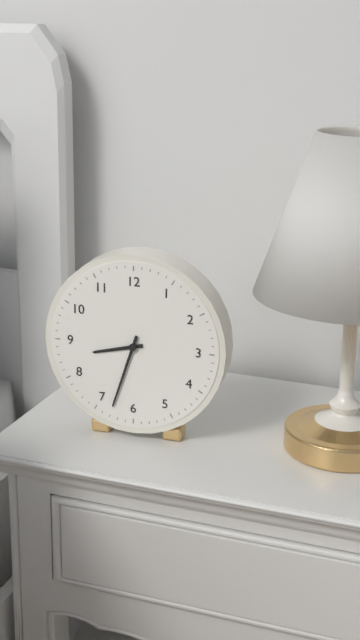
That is 8:33
